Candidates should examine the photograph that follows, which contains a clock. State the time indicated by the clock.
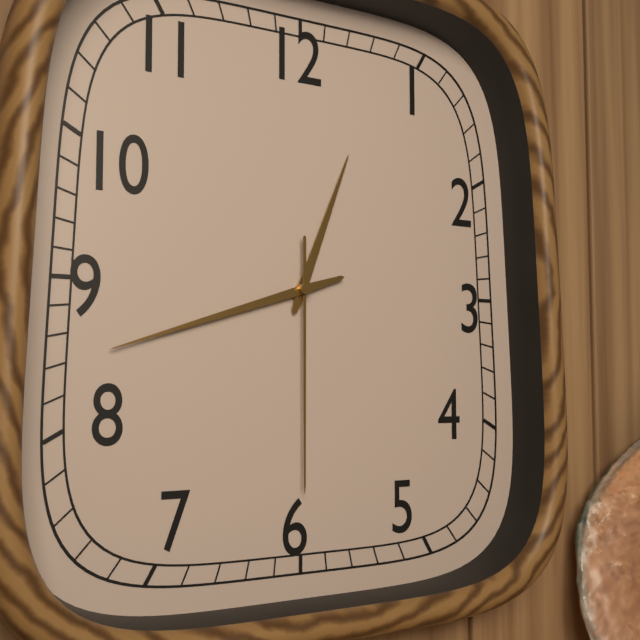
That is 12:42:30
